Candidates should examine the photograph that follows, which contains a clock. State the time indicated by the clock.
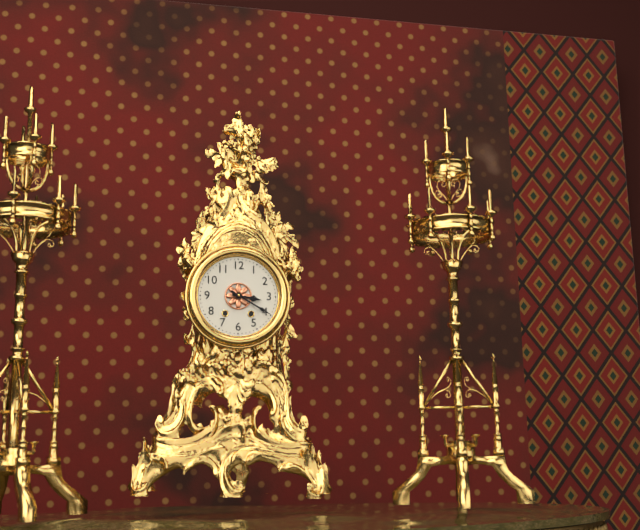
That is 3:20
